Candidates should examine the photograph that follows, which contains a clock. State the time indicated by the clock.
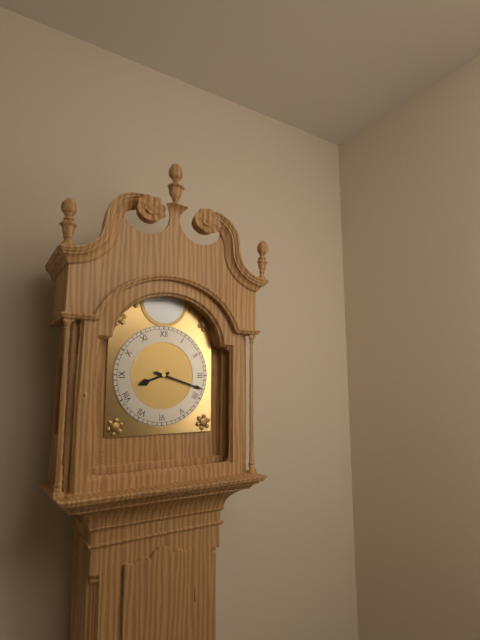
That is 8:18
